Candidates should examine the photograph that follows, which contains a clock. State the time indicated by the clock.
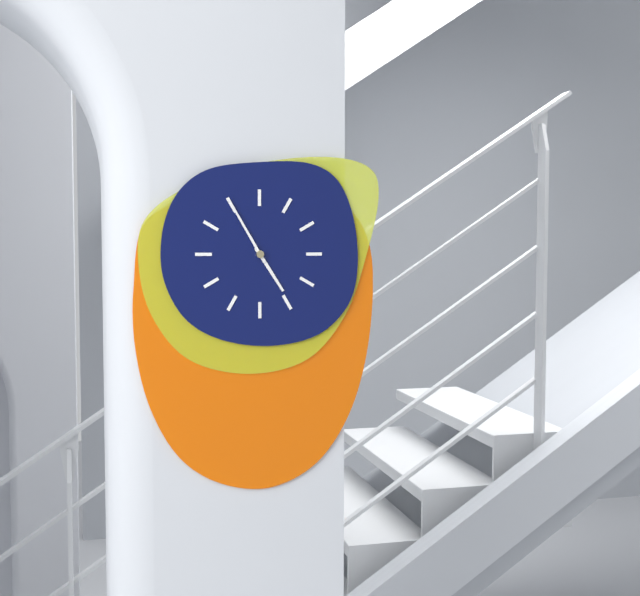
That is 4:55
